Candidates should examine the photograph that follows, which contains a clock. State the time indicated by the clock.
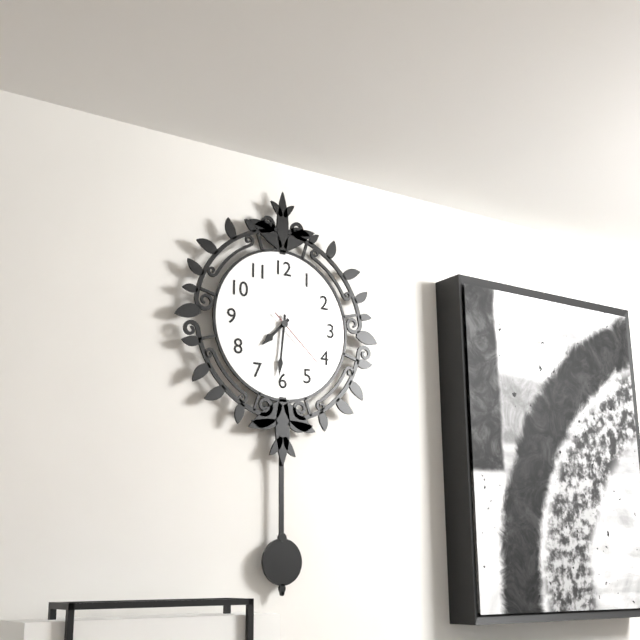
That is 7:31:22
